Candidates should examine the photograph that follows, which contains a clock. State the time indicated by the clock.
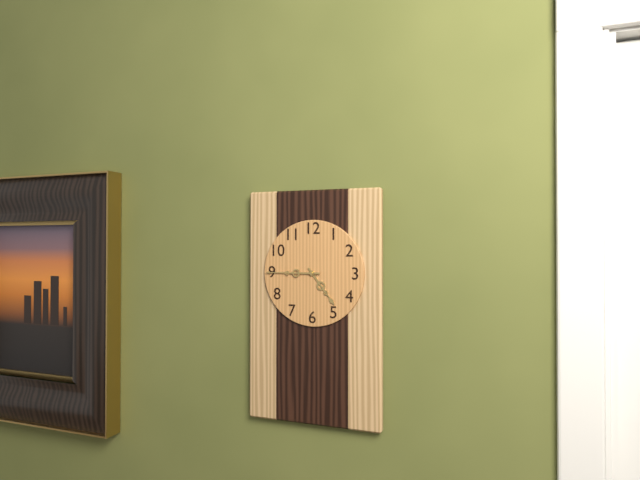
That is 4:45
